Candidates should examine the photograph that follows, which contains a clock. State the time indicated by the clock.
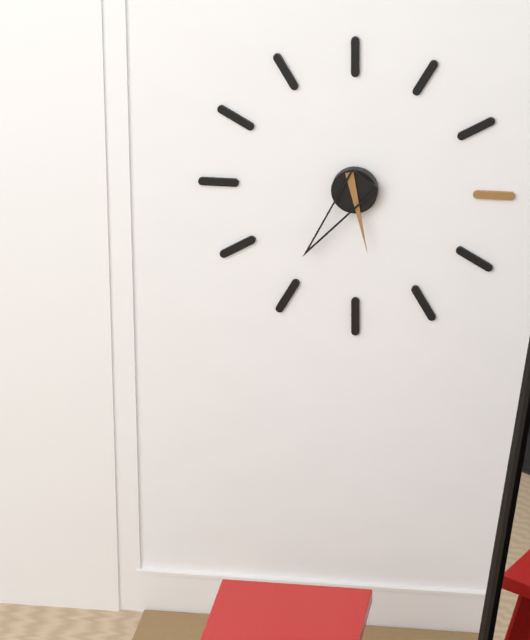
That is 5:36
